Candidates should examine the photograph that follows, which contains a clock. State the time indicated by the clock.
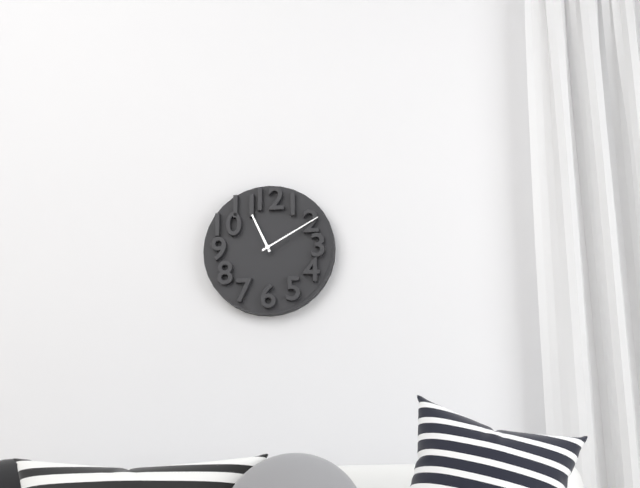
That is 11:10
